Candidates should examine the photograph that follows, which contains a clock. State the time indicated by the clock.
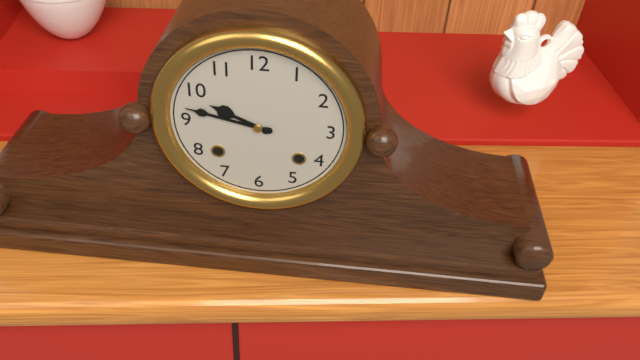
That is 9:47
